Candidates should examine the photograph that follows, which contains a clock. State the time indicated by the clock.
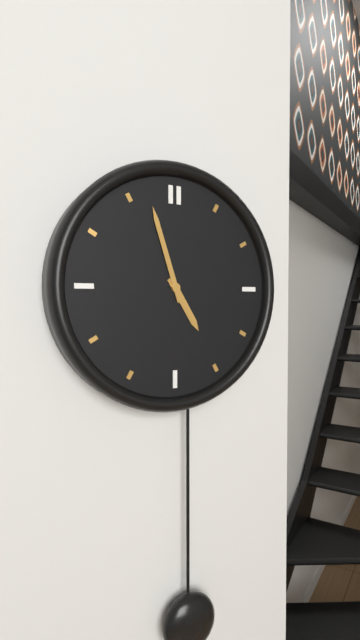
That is 4:57
